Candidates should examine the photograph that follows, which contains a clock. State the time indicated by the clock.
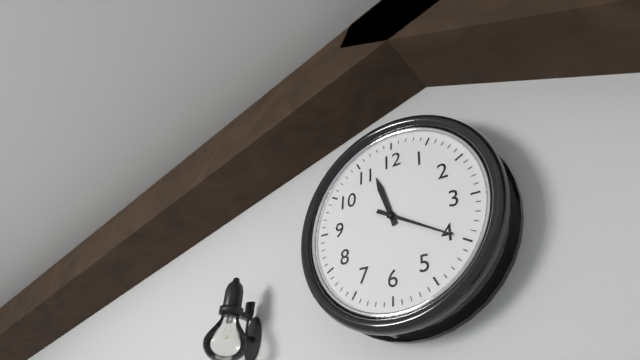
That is 11:20
